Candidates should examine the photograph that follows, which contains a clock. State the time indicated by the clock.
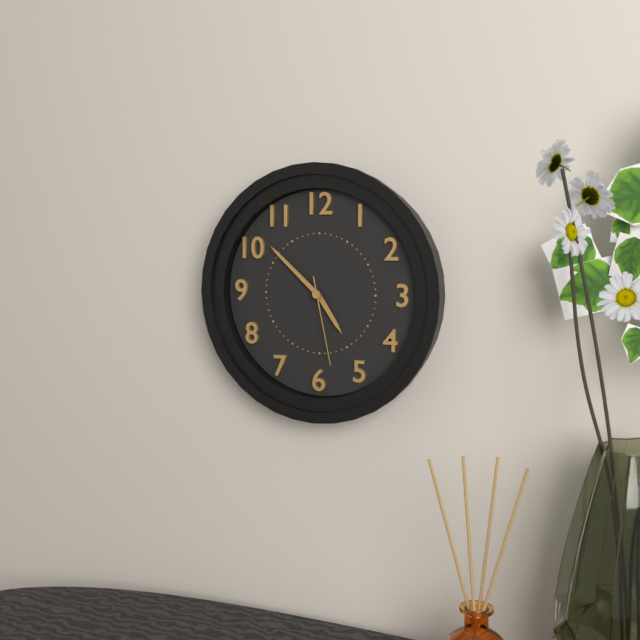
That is 4:52:28
